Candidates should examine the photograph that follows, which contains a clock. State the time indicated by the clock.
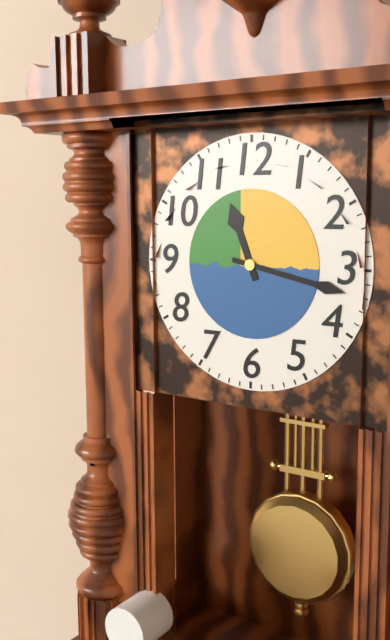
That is 11:17
